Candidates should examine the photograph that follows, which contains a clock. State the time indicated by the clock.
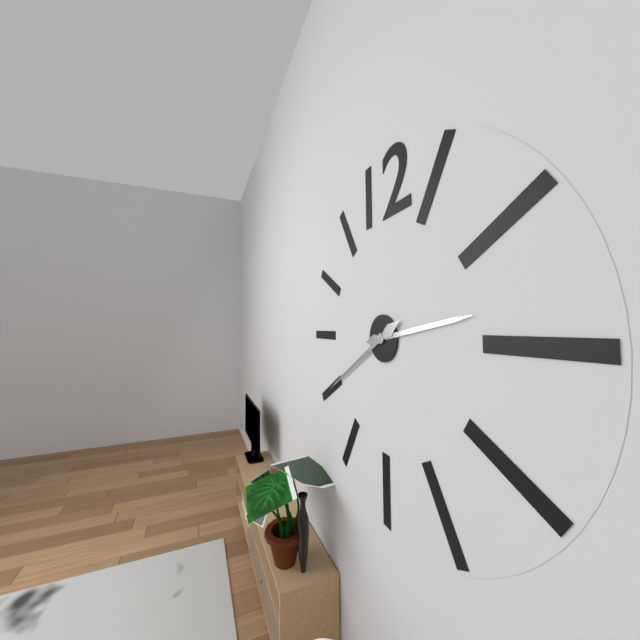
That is 2:40
